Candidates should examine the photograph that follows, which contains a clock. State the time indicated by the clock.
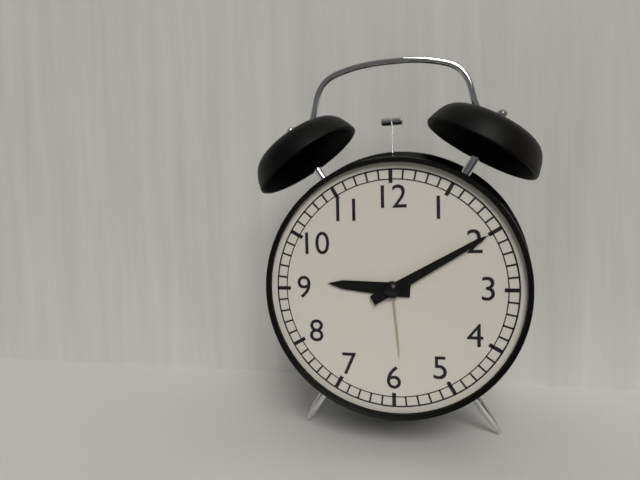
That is 9:10
